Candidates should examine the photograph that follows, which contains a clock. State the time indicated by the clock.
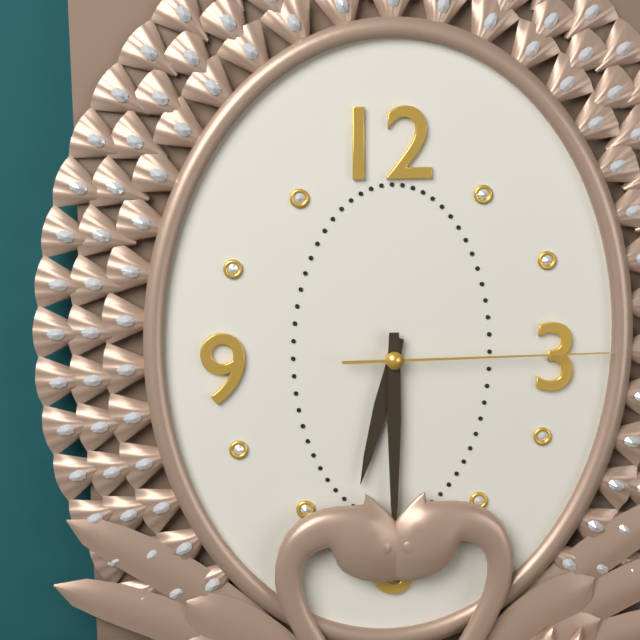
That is 6:30:15
